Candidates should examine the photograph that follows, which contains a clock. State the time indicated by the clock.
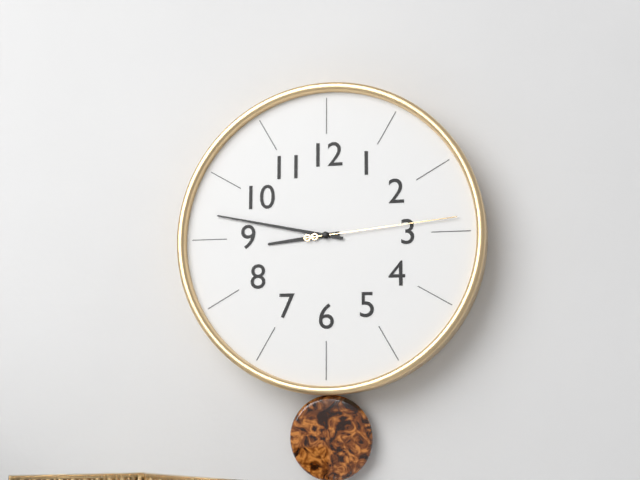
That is 8:47:14
